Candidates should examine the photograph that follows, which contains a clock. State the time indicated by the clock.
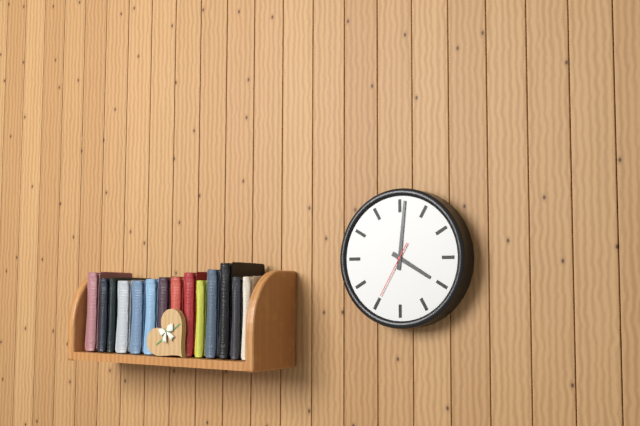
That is 4:01:35
